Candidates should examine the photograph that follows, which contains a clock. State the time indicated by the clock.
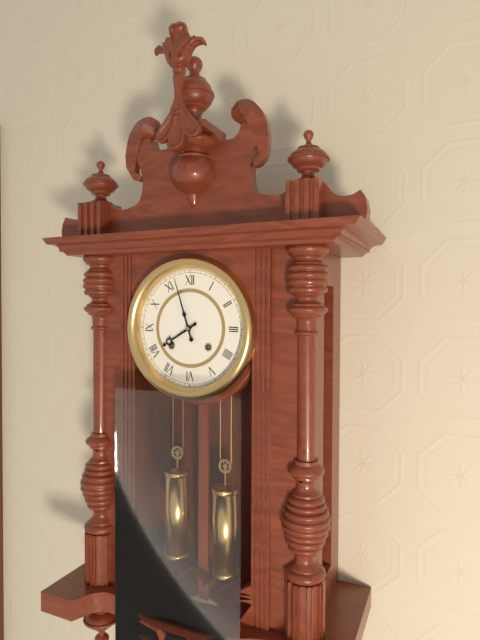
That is 7:57
